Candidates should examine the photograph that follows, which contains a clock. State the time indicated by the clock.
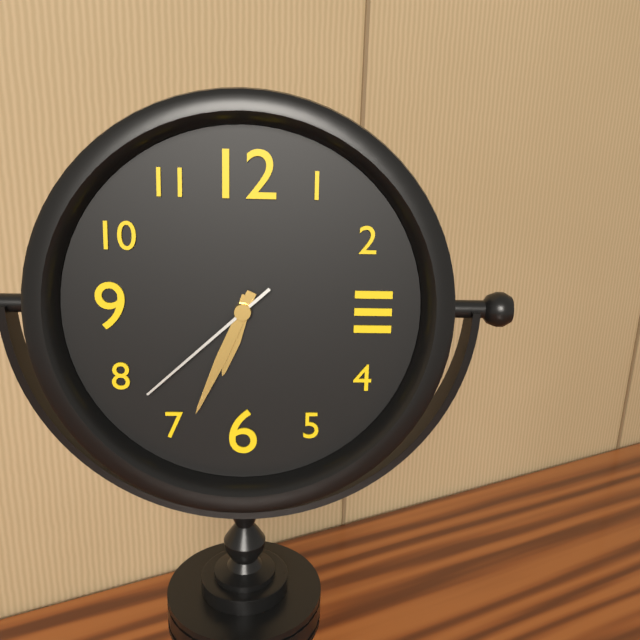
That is 6:34:38
